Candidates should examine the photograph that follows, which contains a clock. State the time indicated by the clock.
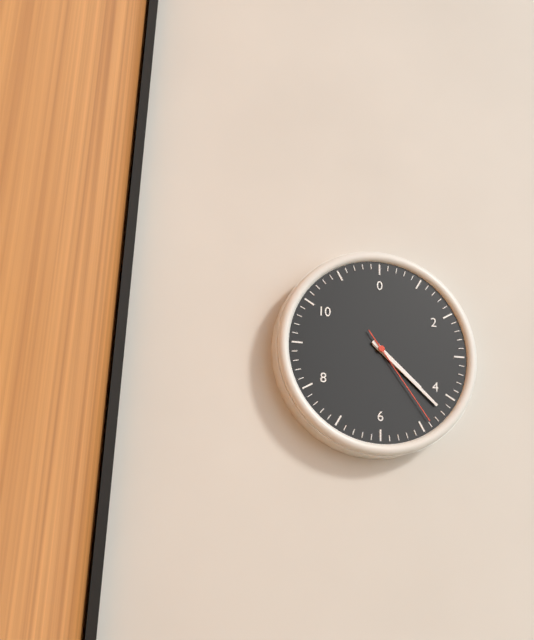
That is 4:22:24
